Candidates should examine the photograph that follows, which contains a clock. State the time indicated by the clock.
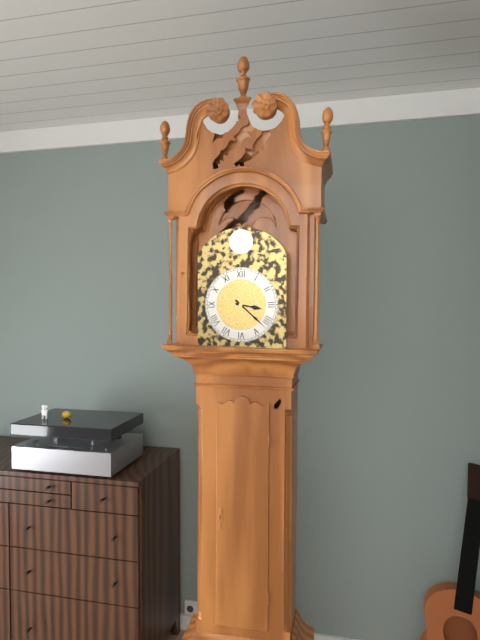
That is 3:22
